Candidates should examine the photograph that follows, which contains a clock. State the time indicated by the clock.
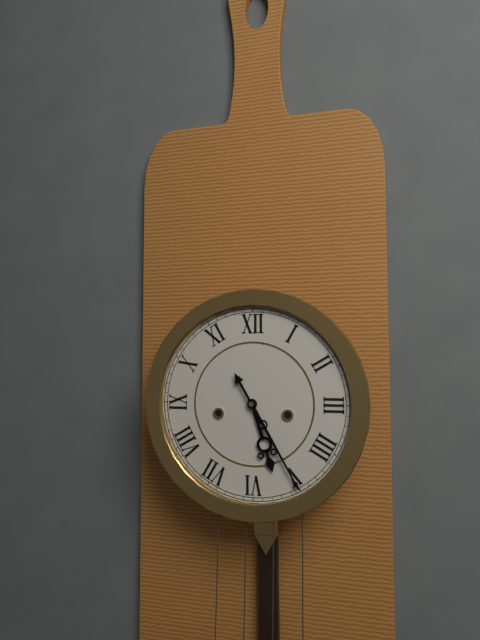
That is 5:25
